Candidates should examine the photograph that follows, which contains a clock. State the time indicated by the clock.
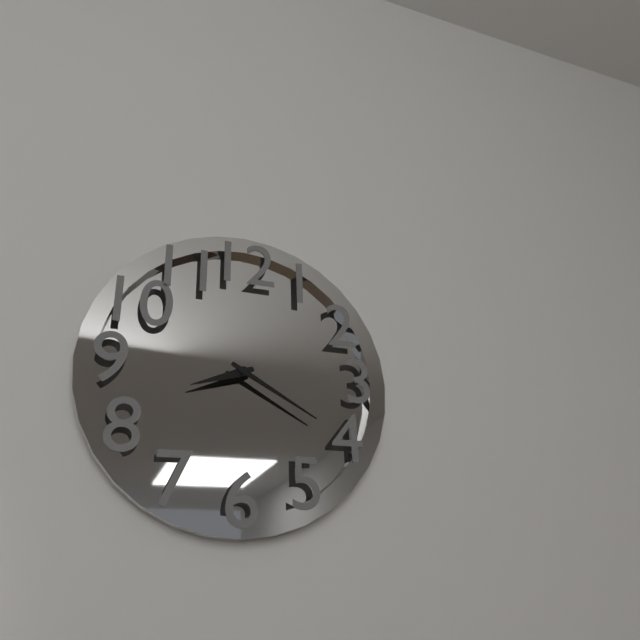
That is 8:20
